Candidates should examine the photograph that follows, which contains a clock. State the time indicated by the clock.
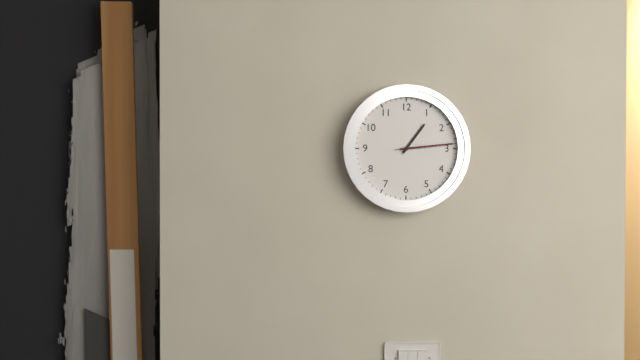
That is 1:14:14
